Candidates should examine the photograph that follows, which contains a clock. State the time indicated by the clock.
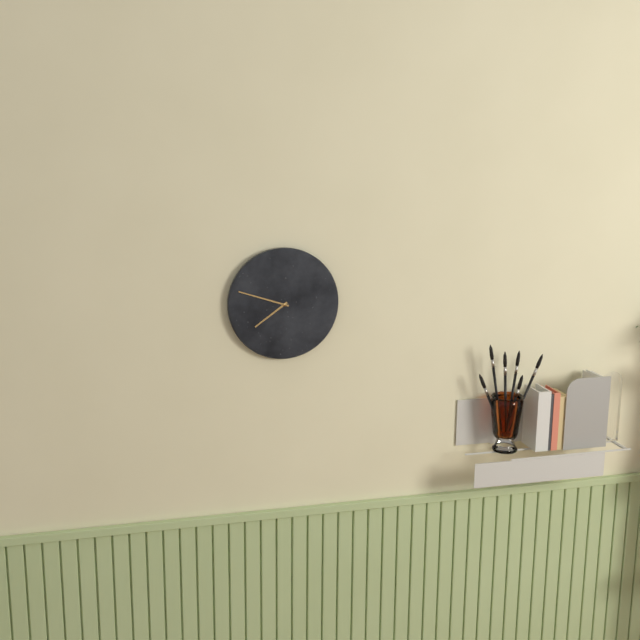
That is 7:48
